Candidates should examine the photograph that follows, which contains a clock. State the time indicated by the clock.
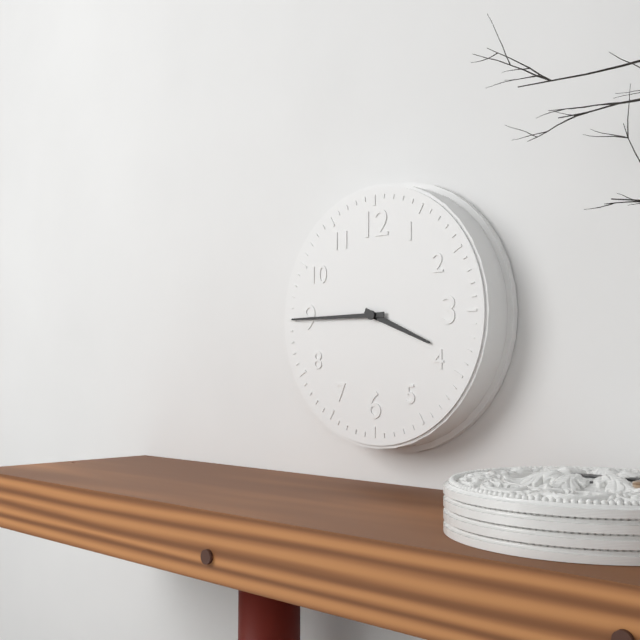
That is 3:45
